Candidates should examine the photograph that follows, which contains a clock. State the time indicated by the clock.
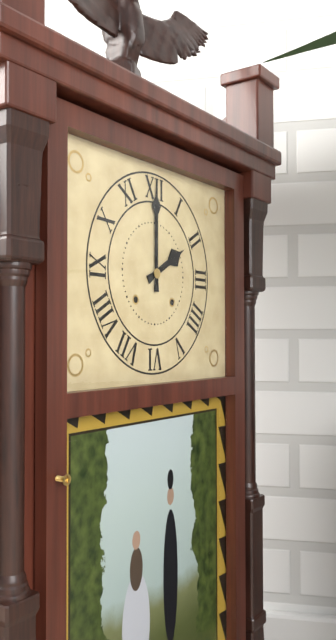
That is 2:00
